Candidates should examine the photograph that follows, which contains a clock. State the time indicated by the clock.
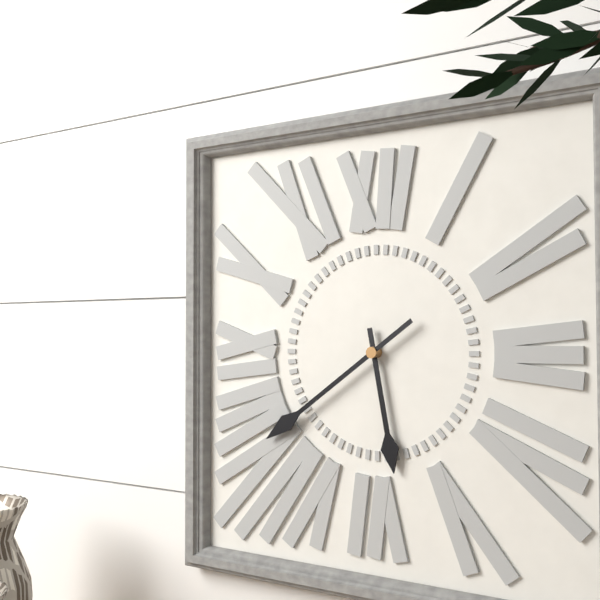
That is 5:39
